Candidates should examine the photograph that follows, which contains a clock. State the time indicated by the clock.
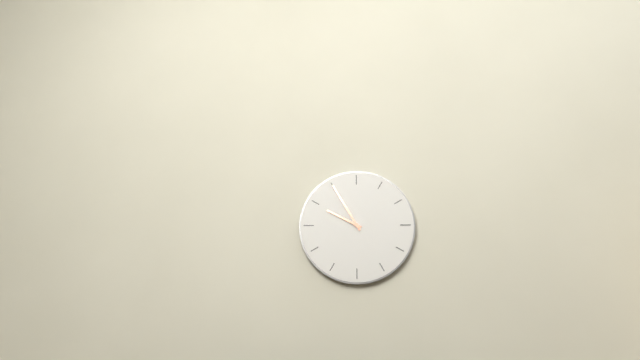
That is 9:55
